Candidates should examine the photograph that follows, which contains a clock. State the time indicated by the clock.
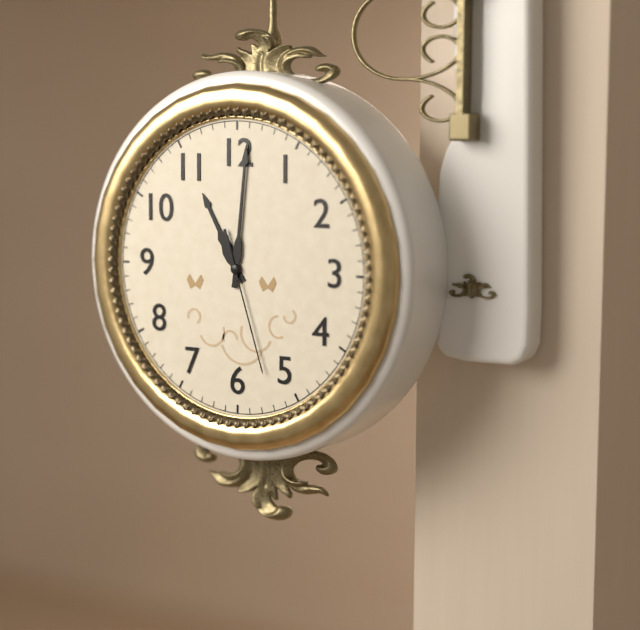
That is 11:01:27
